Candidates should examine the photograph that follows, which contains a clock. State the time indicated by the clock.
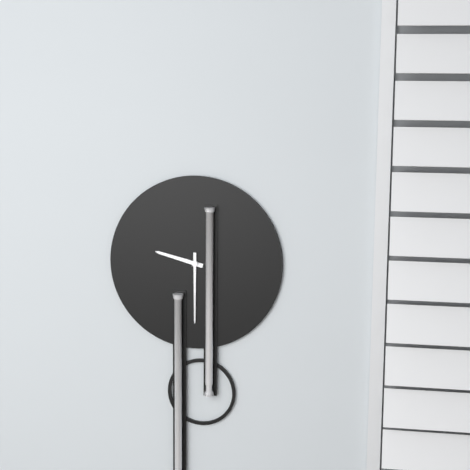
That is 9:30
